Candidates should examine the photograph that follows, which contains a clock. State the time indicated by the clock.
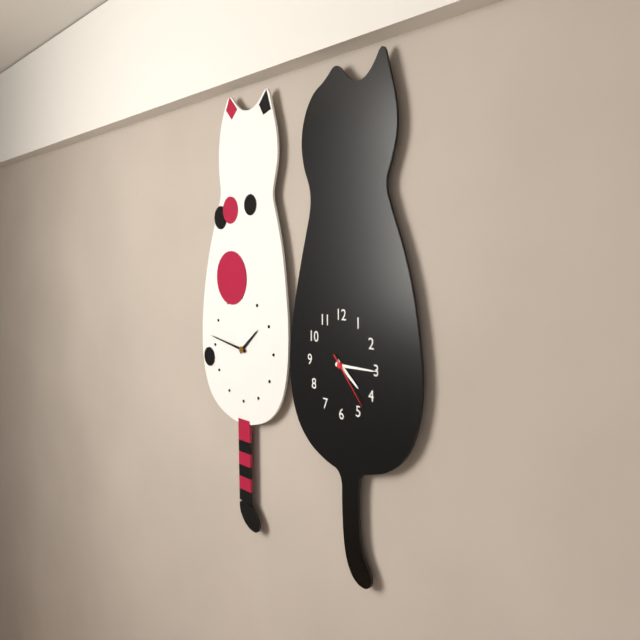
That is 4:15:23
